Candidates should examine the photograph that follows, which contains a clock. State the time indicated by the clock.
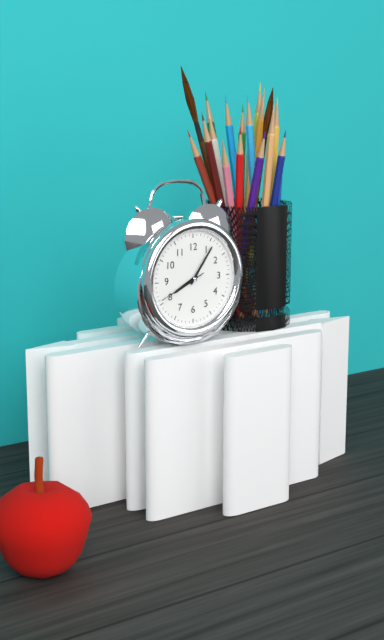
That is 8:06
